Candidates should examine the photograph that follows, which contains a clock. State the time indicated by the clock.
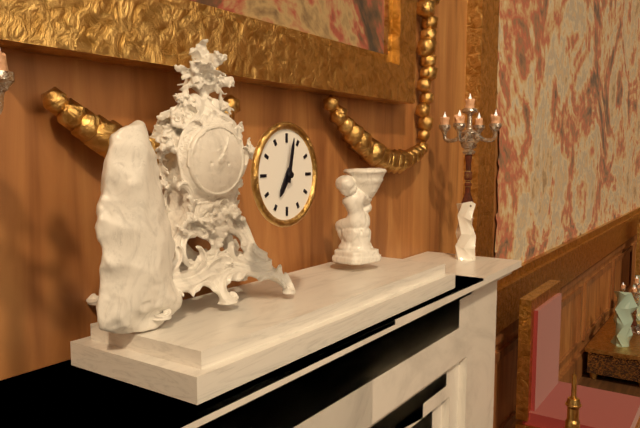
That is 7:02
